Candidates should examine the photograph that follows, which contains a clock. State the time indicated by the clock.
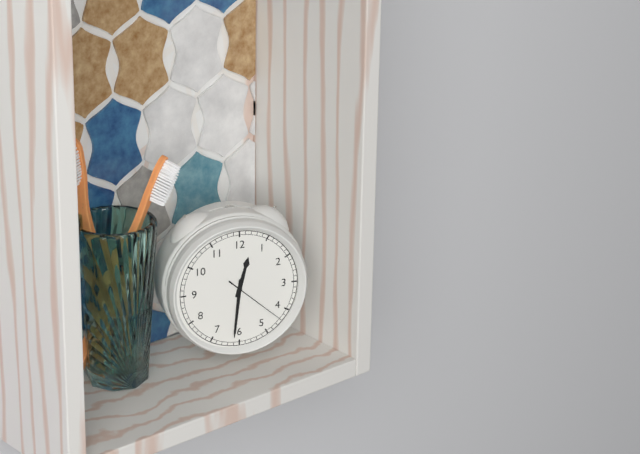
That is 12:31:22
